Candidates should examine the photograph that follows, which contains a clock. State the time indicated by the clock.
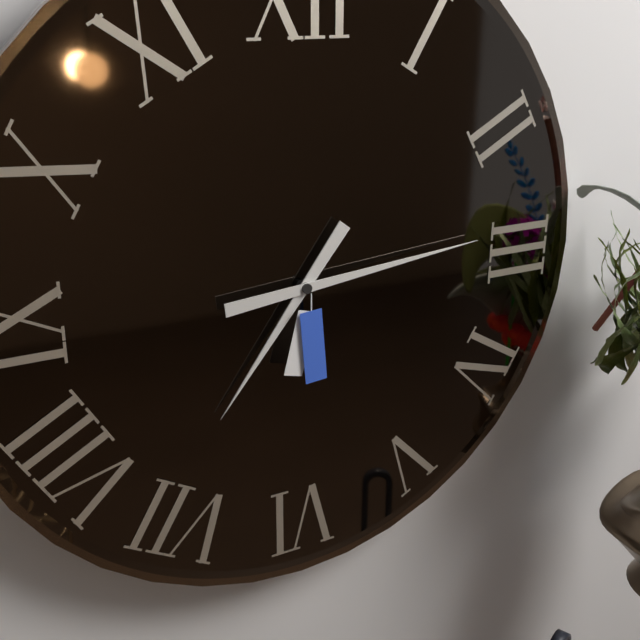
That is 7:14
